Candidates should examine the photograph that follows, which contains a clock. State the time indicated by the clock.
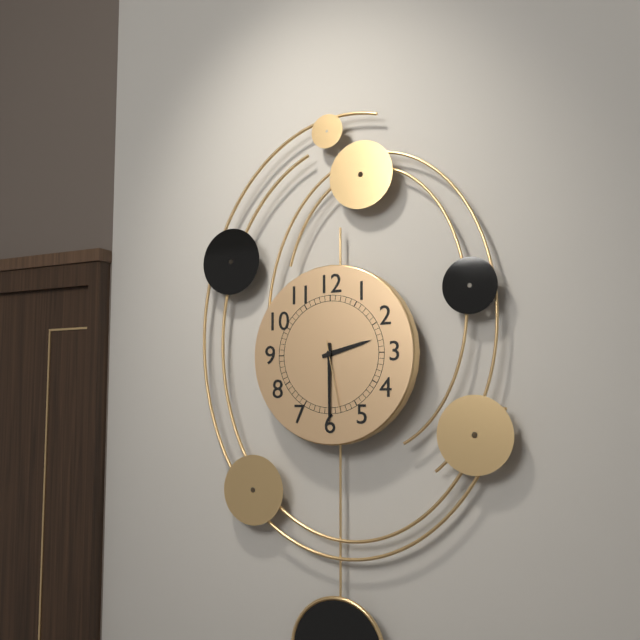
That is 2:30:28
